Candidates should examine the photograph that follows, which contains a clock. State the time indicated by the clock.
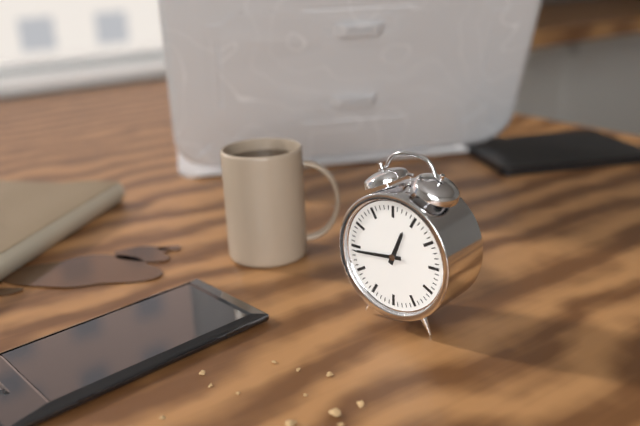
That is 12:44
